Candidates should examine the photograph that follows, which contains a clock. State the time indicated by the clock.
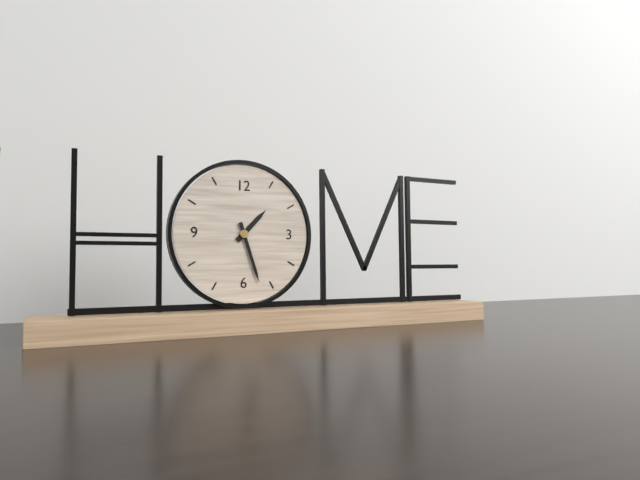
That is 1:27
